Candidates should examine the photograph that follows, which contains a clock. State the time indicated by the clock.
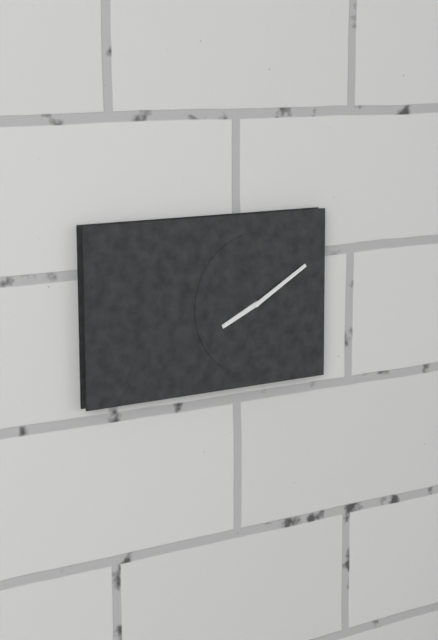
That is 8:10
